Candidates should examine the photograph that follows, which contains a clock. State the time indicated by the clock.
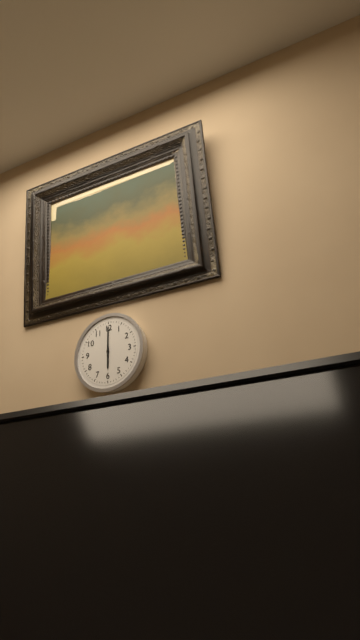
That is 6:00
